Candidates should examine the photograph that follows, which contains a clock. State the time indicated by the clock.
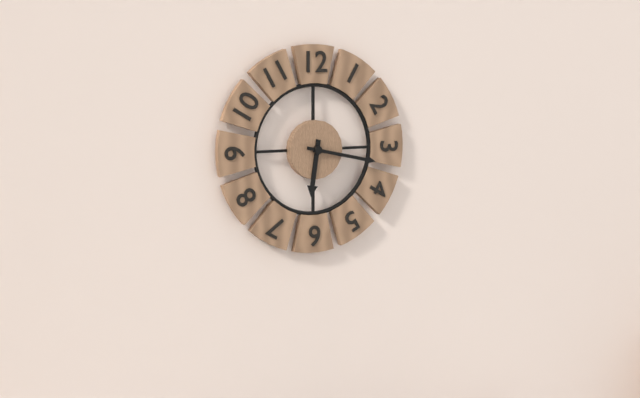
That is 6:17
